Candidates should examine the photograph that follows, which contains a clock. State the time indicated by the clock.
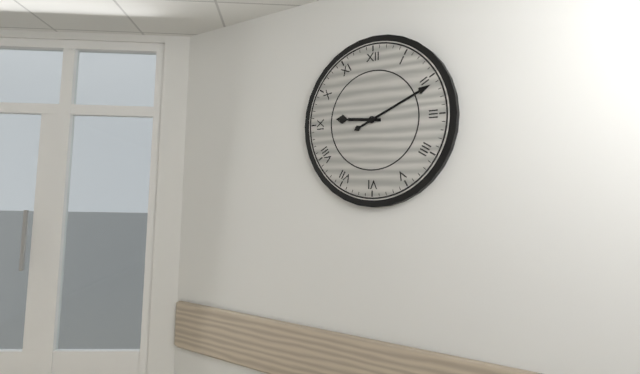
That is 9:11
